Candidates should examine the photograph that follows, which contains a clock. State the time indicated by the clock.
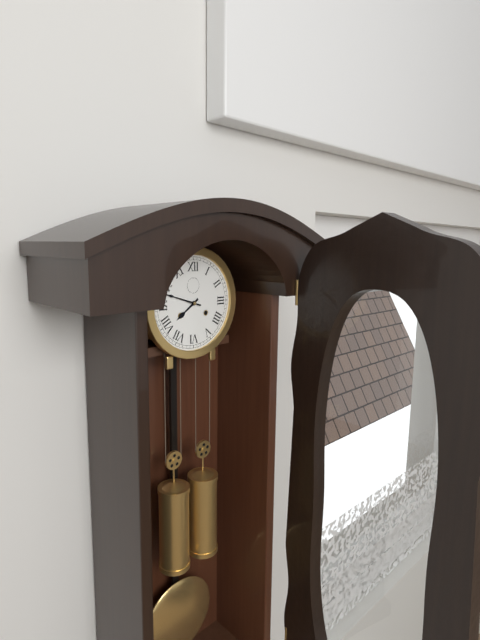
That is 7:48
